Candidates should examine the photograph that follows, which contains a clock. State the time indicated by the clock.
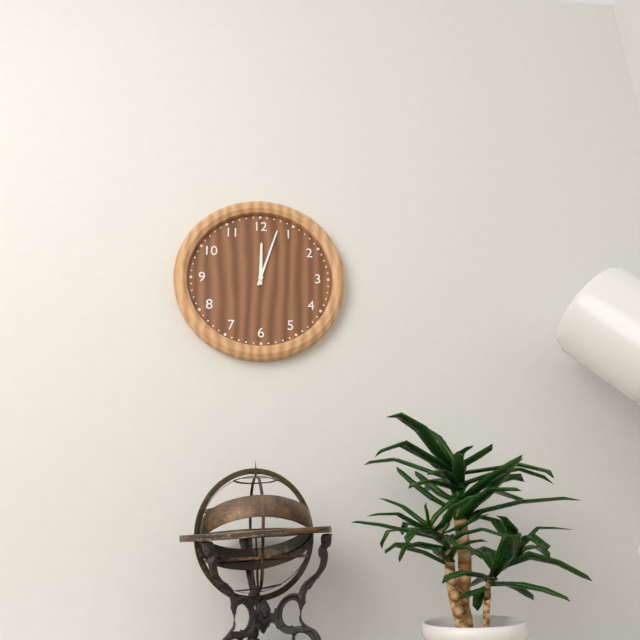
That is 12:03
